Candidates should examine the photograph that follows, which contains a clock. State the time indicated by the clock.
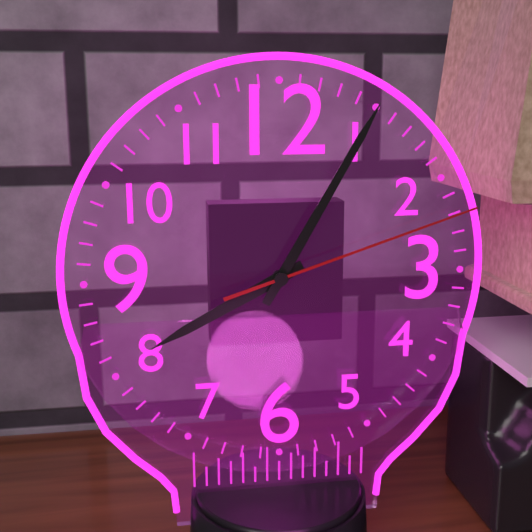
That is 8:05:12
